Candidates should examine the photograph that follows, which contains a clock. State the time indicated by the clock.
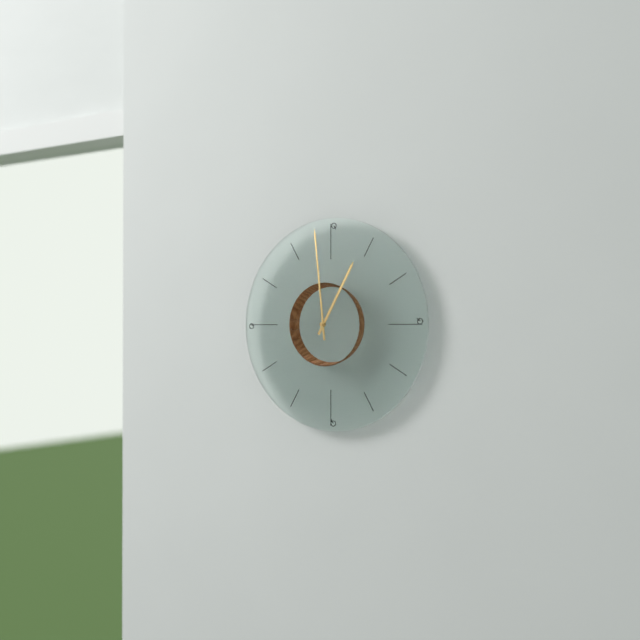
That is 12:59
